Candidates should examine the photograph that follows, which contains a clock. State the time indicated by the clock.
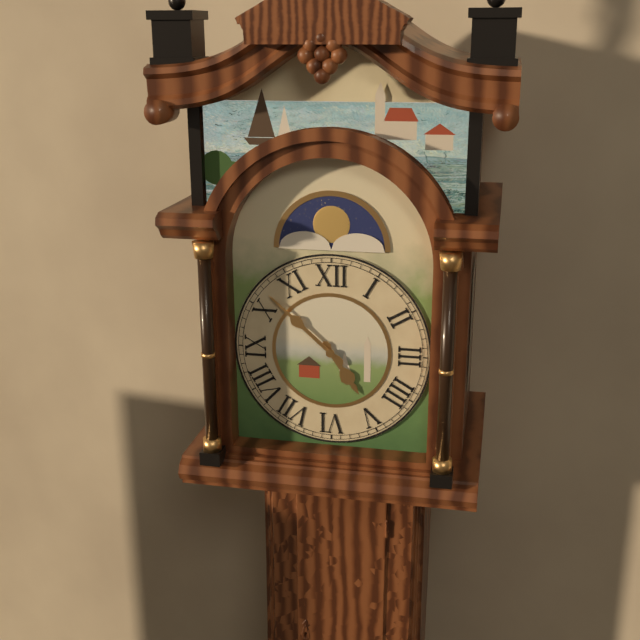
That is 4:52
